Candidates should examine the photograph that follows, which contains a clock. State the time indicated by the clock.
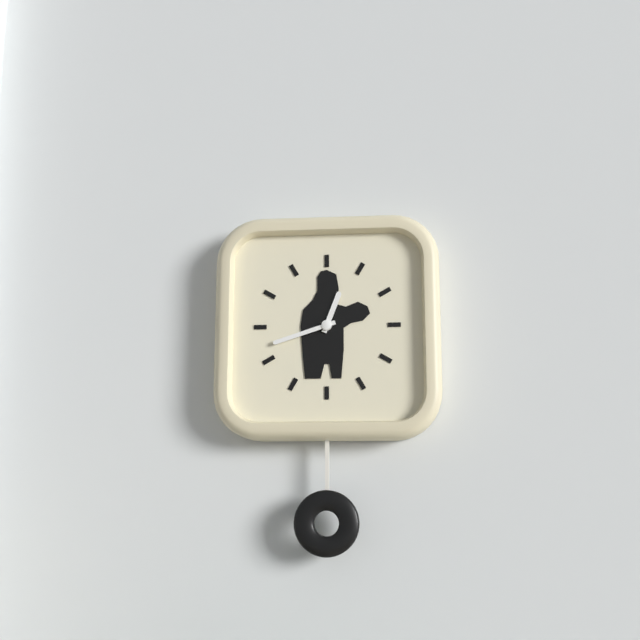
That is 12:42
